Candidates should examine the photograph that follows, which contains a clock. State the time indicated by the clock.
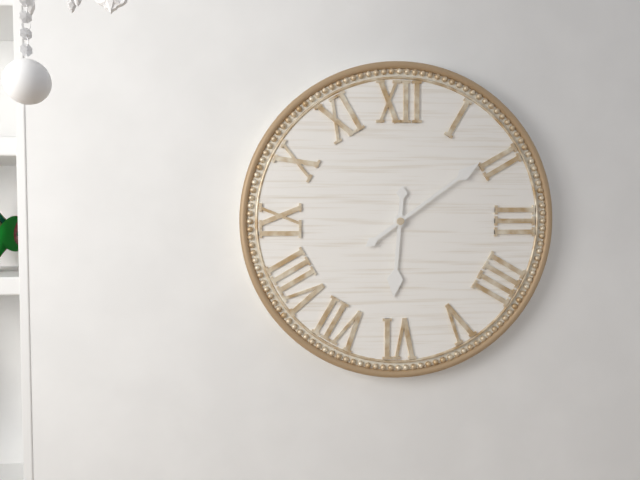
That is 6:09
